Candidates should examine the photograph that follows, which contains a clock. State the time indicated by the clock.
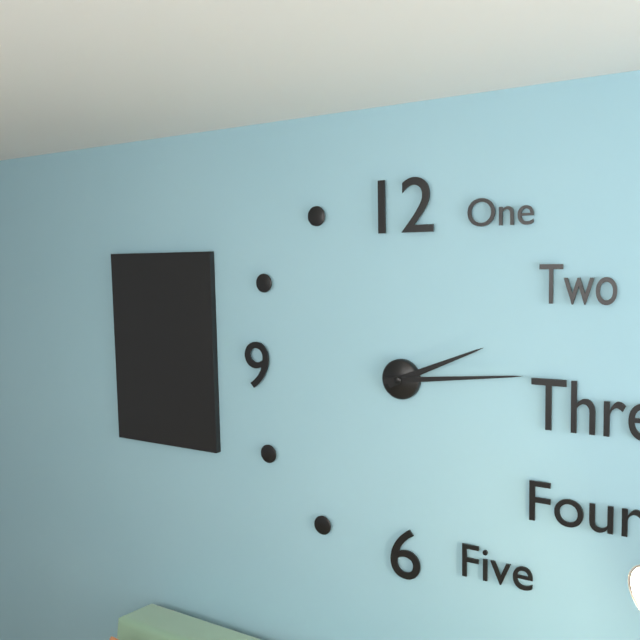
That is 2:14
